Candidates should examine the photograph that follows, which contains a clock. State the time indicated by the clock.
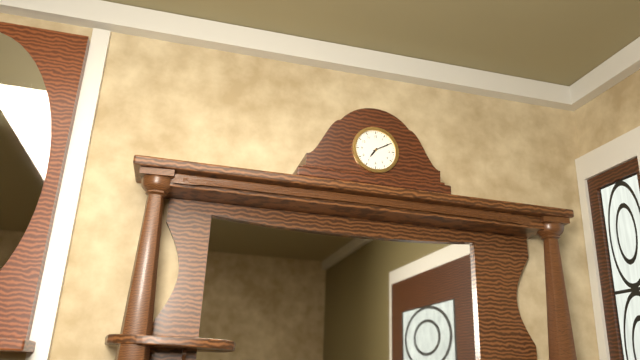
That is 7:10
